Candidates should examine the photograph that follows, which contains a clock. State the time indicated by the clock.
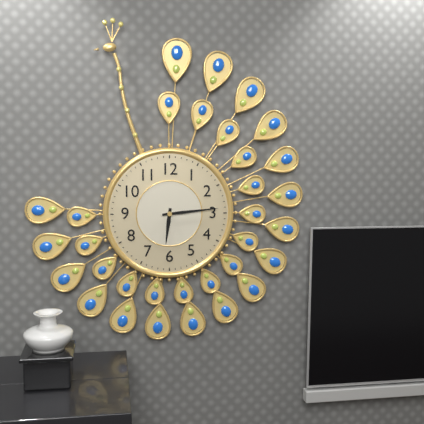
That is 6:14
